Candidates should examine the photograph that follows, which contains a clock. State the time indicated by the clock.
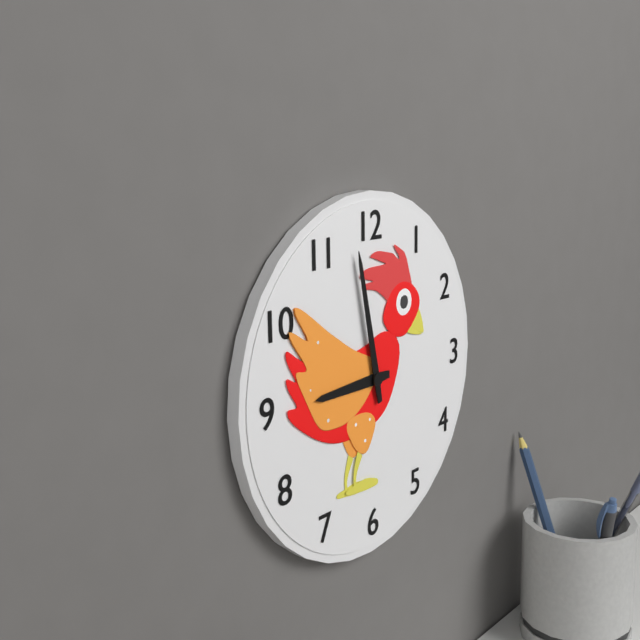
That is 8:58
